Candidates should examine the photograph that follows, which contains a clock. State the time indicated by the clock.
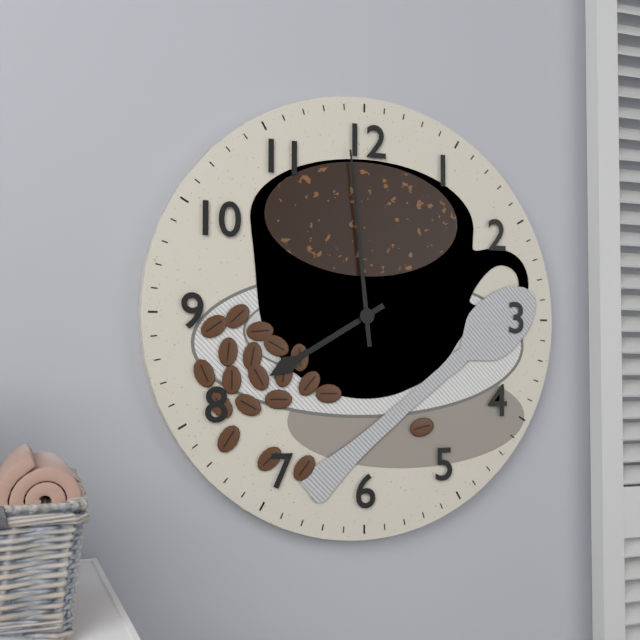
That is 7:59
